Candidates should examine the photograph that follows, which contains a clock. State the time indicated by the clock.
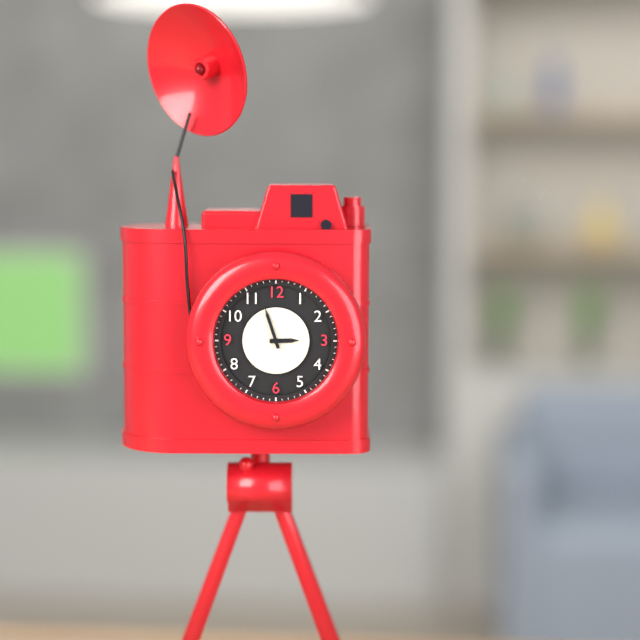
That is 2:57
